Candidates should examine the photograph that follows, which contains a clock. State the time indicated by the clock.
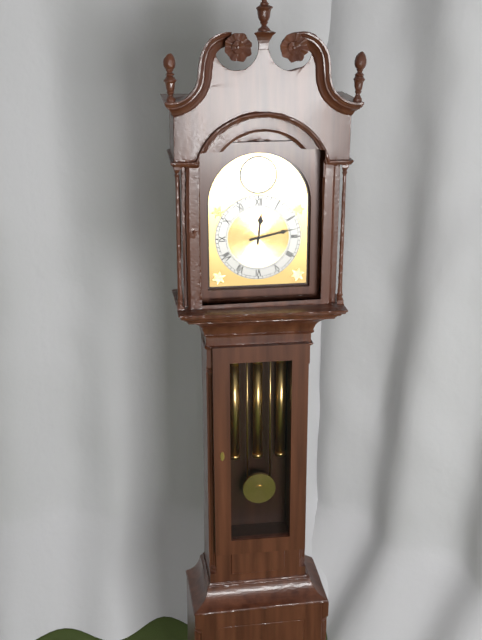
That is 12:13
